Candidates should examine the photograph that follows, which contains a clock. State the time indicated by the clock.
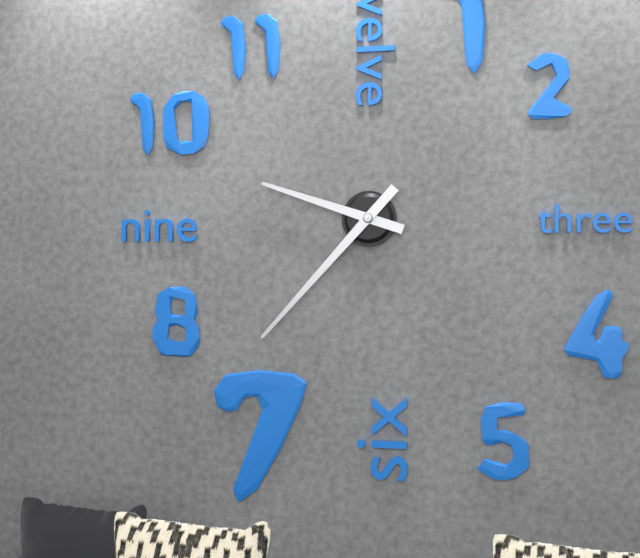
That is 9:37
